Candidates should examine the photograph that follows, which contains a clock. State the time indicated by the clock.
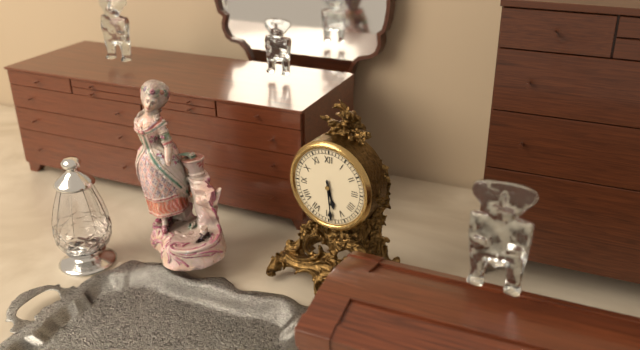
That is 5:29
